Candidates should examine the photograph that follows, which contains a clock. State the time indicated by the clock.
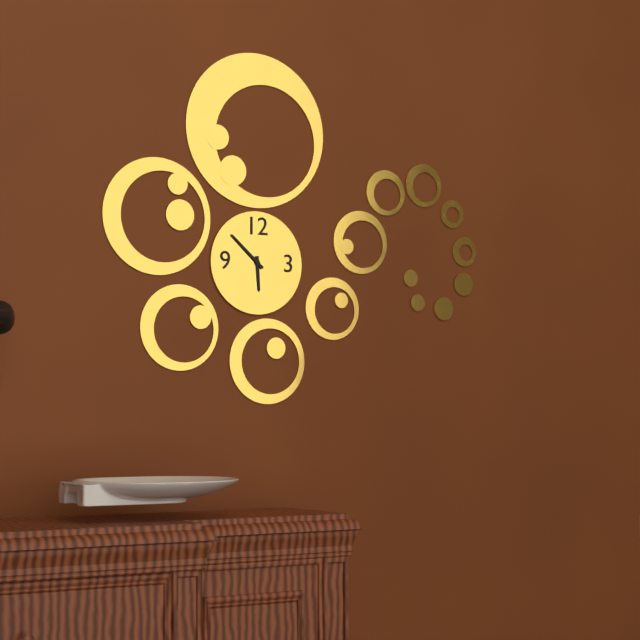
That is 5:52
